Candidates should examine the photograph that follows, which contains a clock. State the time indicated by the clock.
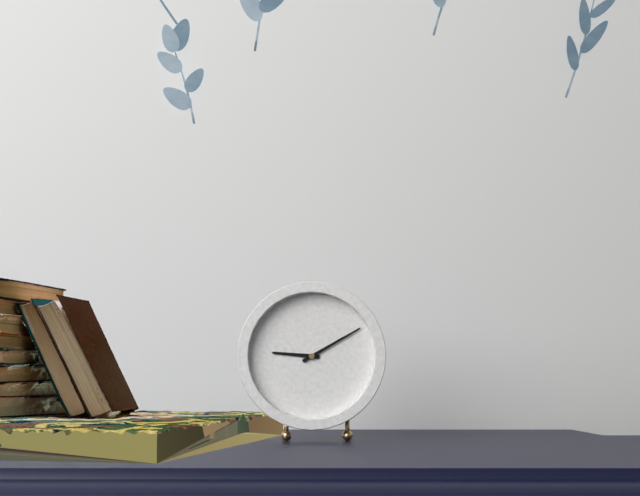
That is 9:10
